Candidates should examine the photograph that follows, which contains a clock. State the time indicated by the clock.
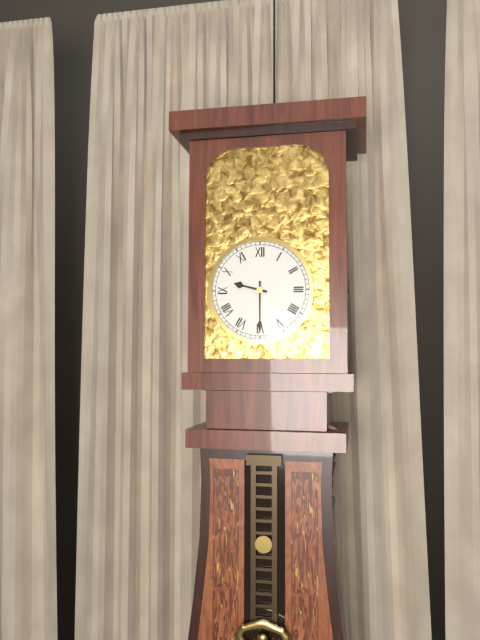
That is 9:30
